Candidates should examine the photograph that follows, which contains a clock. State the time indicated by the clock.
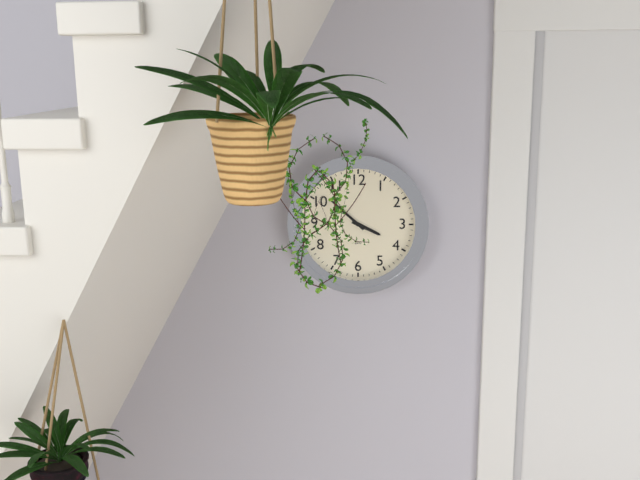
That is 3:52
